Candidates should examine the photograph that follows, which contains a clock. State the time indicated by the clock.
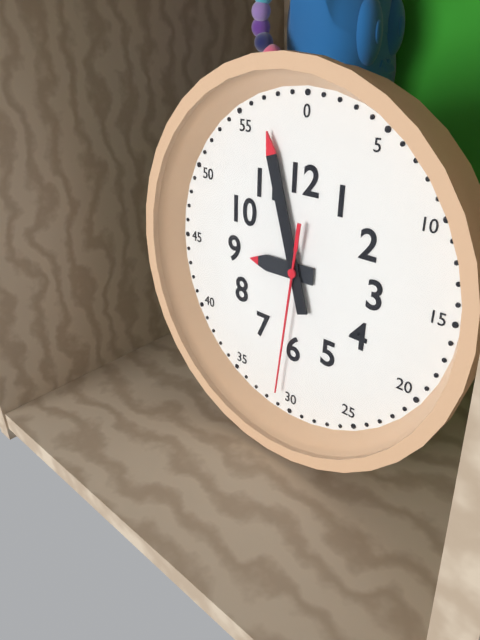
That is 8:57:31
